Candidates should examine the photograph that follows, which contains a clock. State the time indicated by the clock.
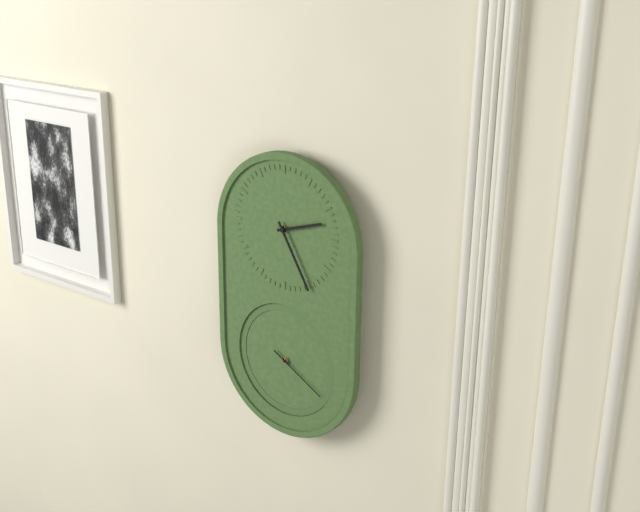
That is 2:25:20
